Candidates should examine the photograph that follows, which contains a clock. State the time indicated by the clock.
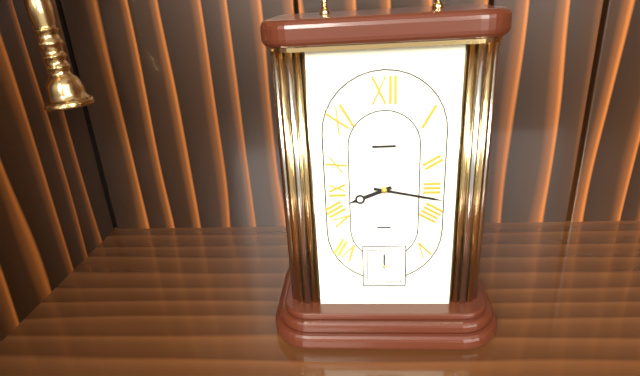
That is 8:17
